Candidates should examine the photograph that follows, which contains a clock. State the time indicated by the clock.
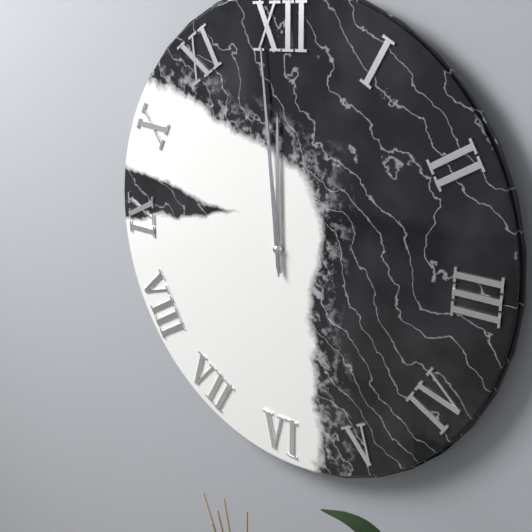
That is 11:59:59
